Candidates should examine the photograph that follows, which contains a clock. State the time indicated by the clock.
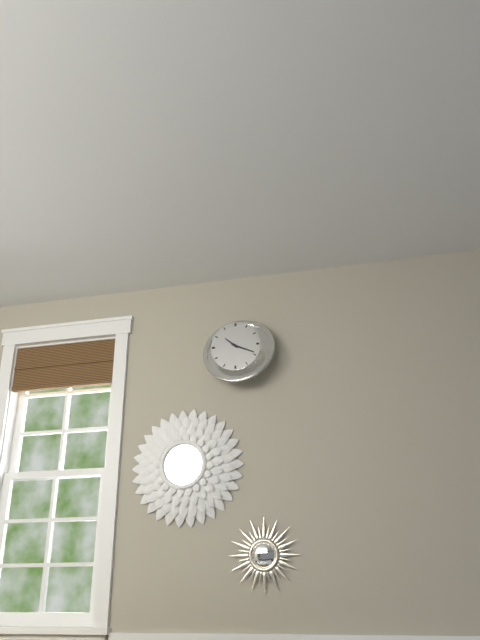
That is 10:19
